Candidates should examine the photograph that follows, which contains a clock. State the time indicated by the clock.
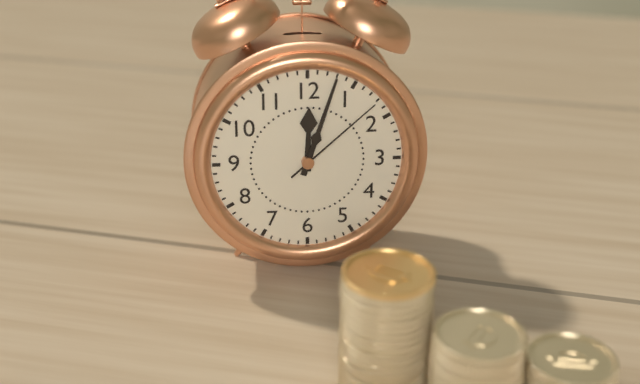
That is 12:03:08
